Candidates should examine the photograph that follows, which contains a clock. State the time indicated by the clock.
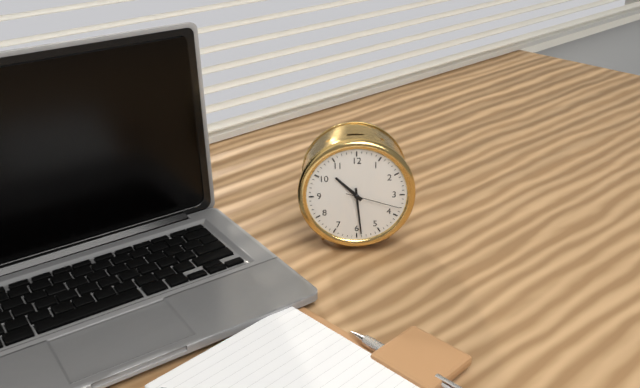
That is 10:29:18
